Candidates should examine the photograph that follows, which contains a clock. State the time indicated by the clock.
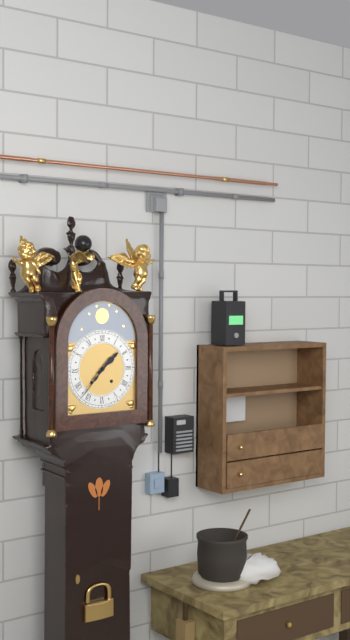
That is 1:37
